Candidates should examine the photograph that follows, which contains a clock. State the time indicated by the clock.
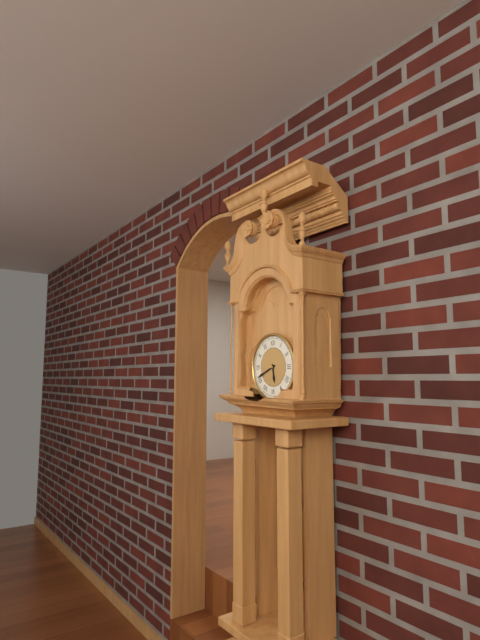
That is 5:41
